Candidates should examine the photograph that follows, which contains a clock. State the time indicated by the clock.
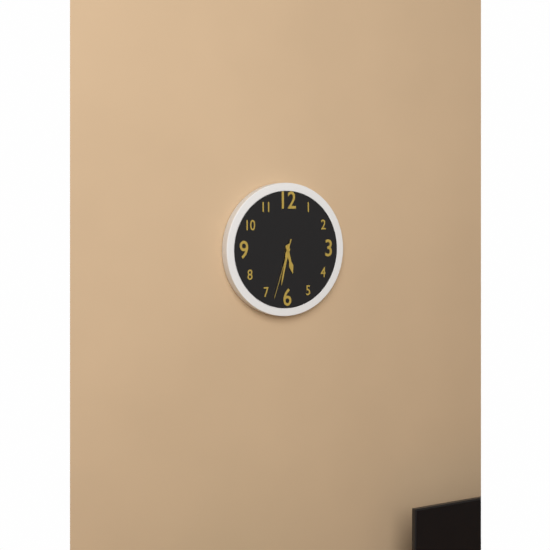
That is 5:32:33
